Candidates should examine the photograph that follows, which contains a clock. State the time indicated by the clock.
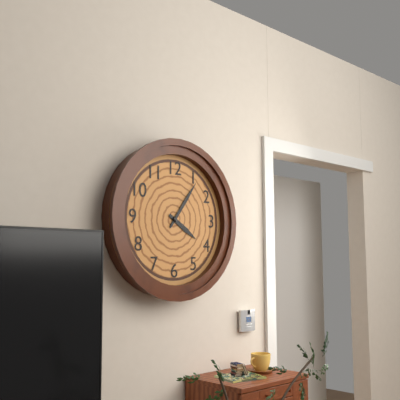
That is 4:06
